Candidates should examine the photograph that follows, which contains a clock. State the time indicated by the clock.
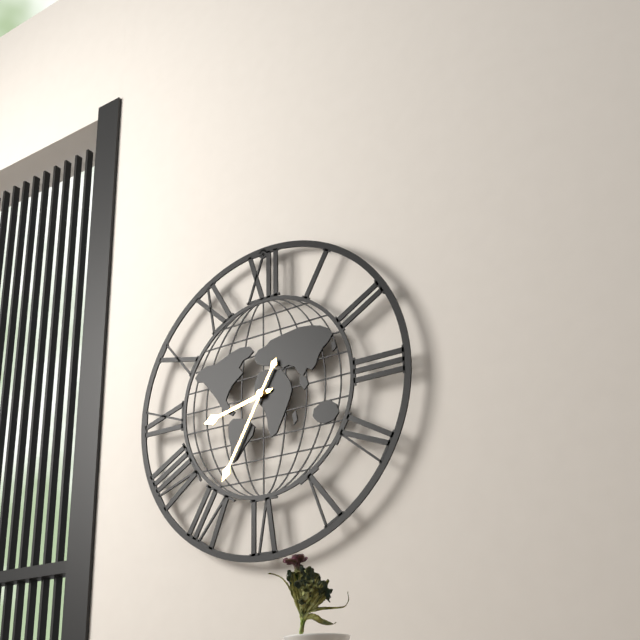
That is 8:35
